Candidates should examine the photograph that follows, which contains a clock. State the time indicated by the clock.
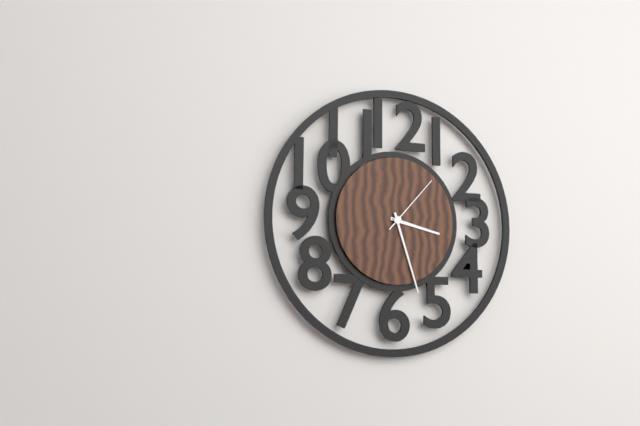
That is 3:27:07
